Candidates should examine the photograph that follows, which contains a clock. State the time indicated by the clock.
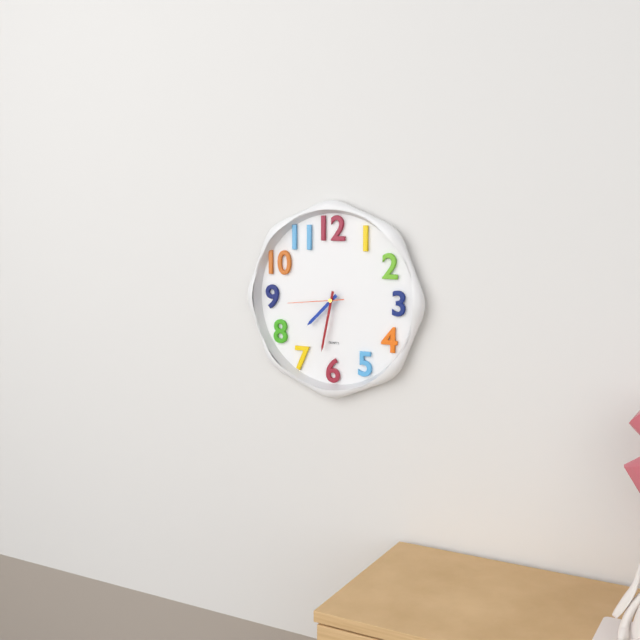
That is 7:32:44
